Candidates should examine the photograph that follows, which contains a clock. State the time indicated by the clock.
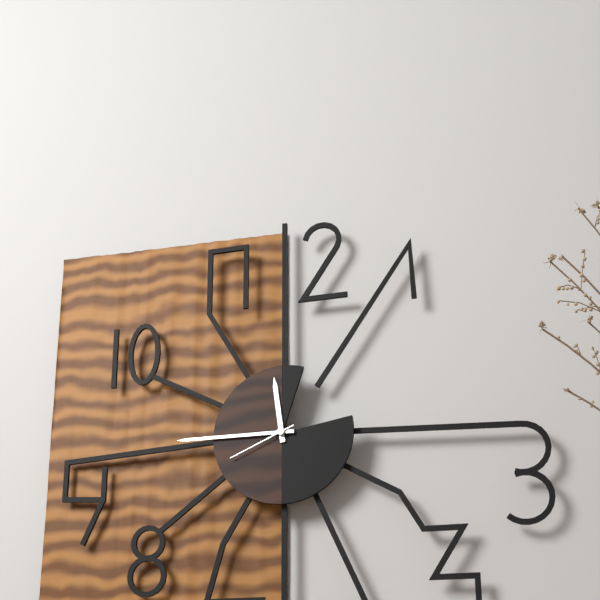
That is 11:45:41
